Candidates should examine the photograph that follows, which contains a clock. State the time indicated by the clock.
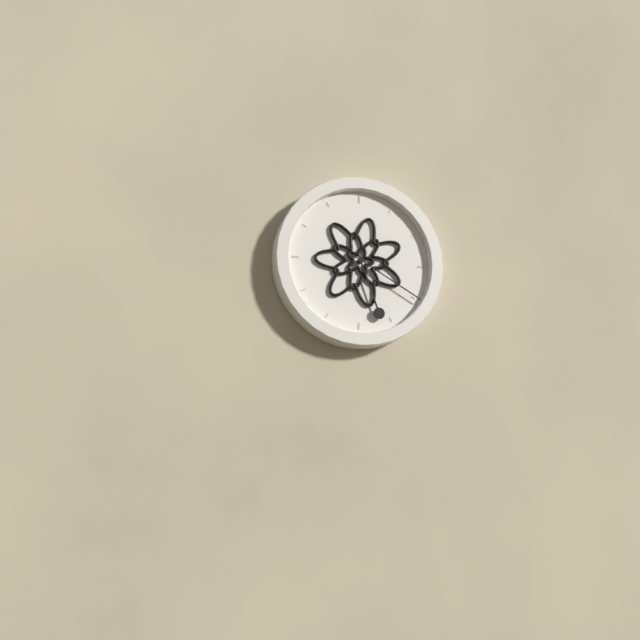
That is 5:20
